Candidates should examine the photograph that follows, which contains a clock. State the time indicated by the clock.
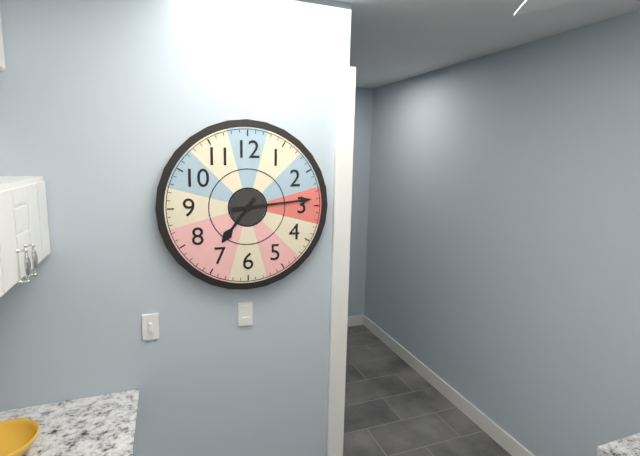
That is 7:14
